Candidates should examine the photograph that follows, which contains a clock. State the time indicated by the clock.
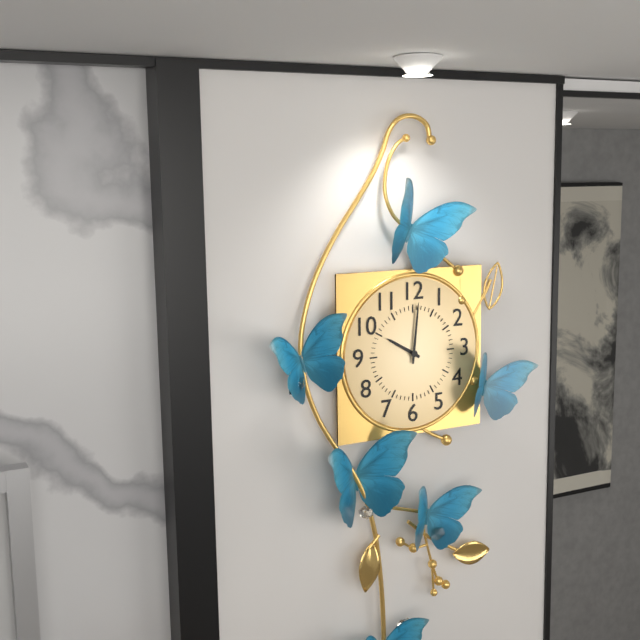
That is 10:01
